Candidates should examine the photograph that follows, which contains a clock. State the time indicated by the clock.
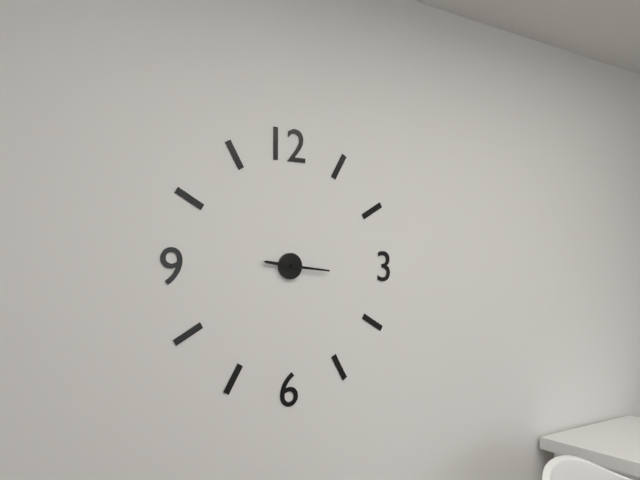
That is 9:16
